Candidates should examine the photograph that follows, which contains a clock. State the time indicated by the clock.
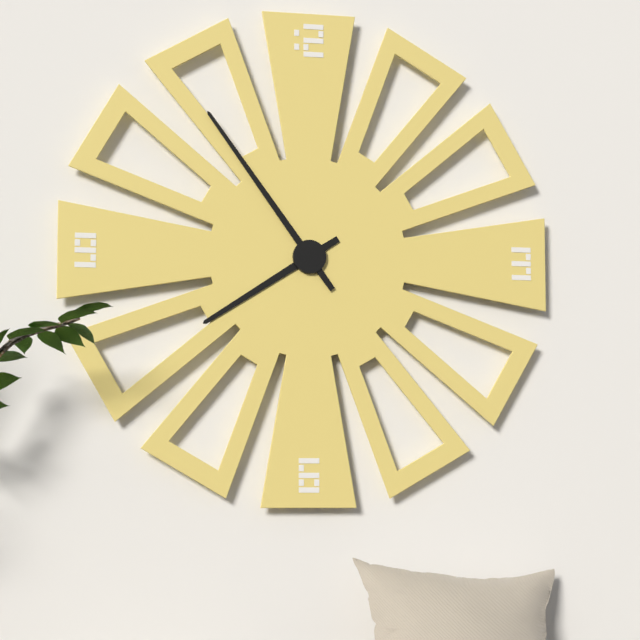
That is 7:54
